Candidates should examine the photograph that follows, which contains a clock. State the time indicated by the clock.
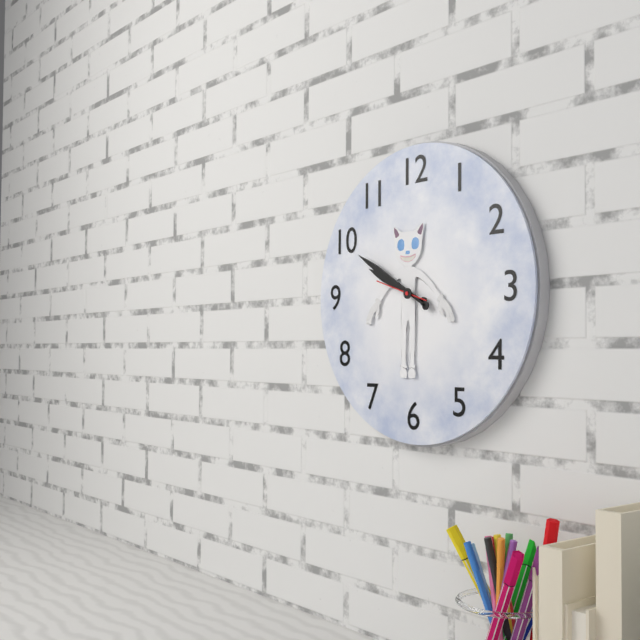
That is 9:50
